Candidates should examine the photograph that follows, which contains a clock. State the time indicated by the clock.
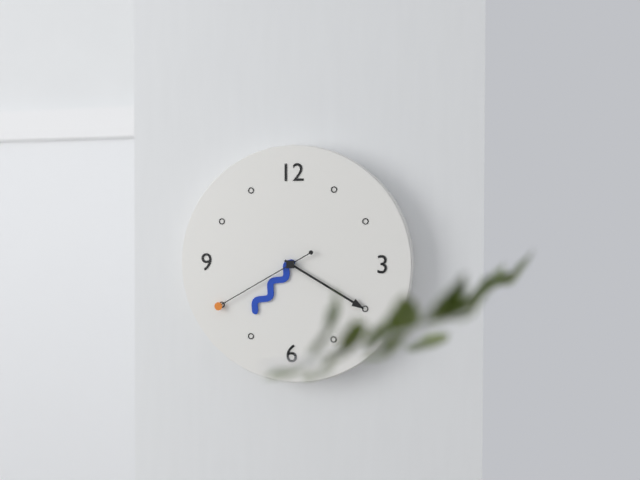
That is 7:20:40
